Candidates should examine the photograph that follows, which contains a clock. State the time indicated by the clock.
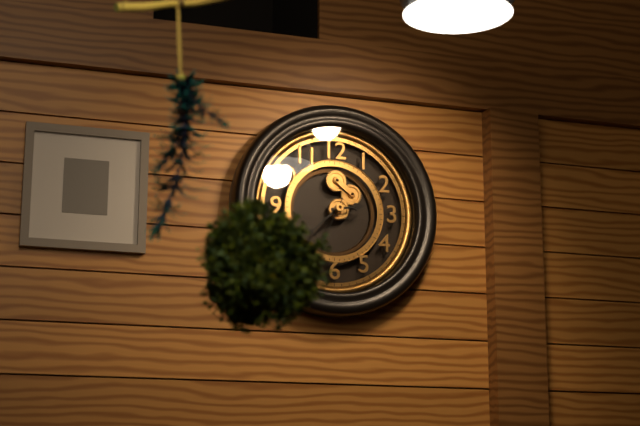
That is 2:38
